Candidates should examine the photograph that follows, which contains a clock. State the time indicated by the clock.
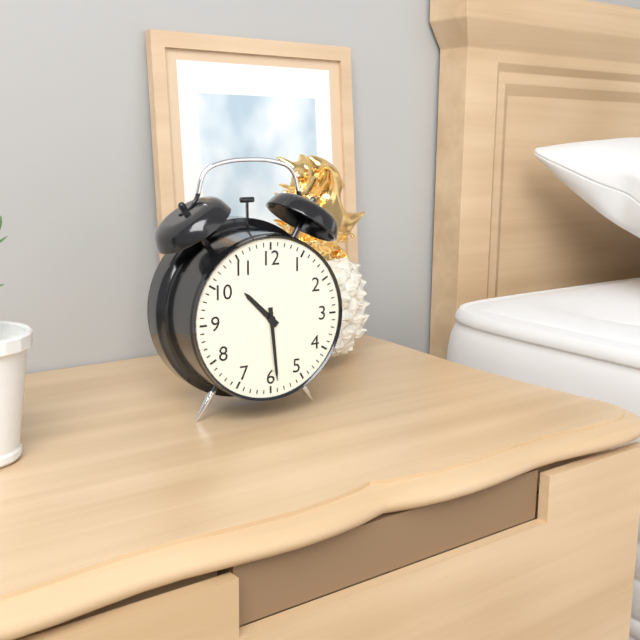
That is 10:29
